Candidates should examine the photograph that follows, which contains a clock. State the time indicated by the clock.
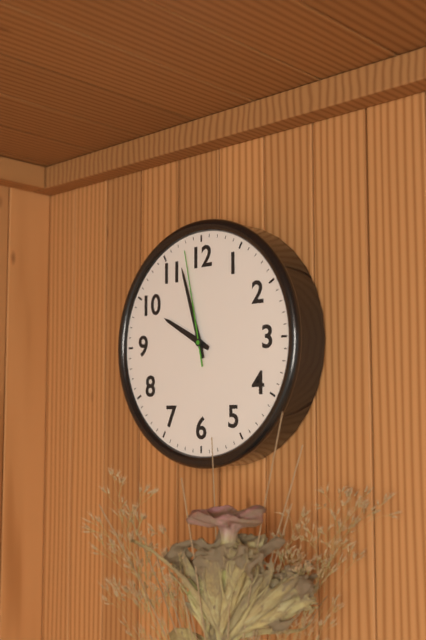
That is 9:57:58
